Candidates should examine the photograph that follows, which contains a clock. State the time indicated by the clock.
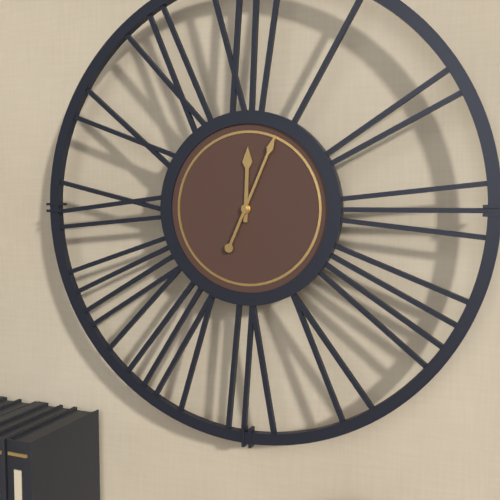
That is 12:04
